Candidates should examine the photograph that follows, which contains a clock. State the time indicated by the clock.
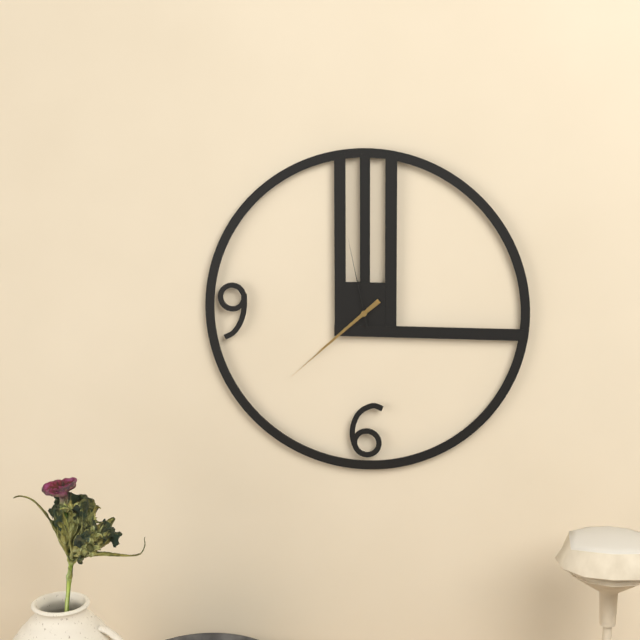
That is 7:38:58
